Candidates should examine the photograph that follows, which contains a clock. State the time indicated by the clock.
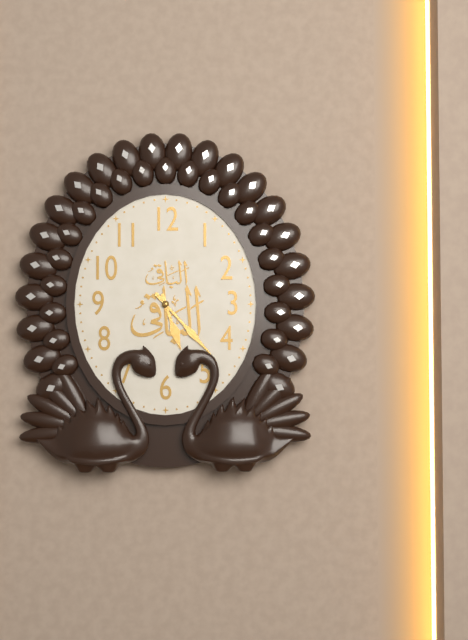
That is 5:23
